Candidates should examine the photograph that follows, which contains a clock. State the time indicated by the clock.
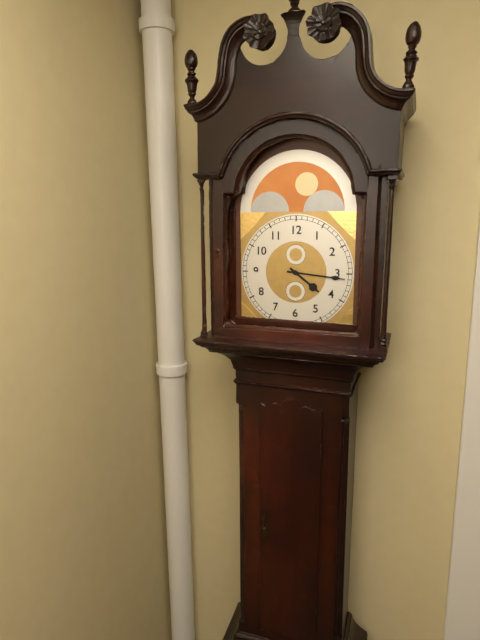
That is 4:16
